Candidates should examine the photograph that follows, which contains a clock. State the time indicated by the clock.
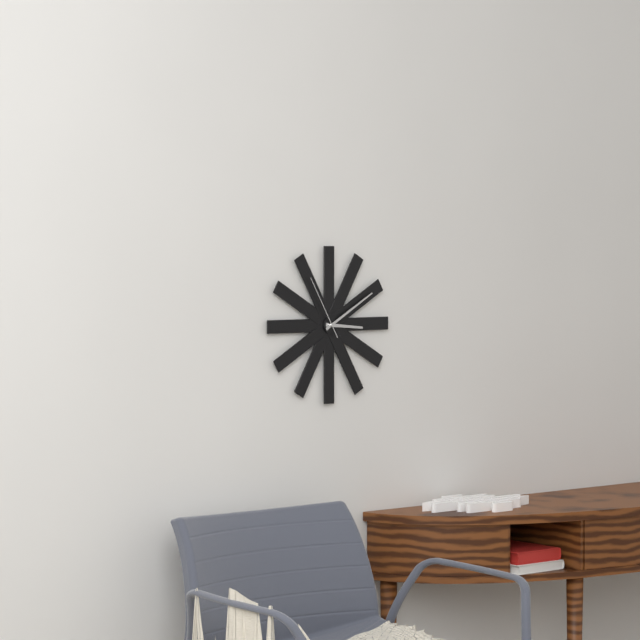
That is 3:10:55
